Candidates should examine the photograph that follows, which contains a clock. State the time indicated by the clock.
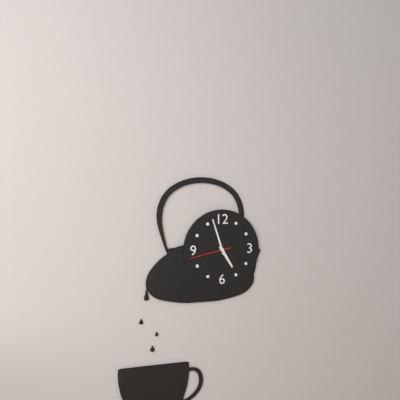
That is 4:57
